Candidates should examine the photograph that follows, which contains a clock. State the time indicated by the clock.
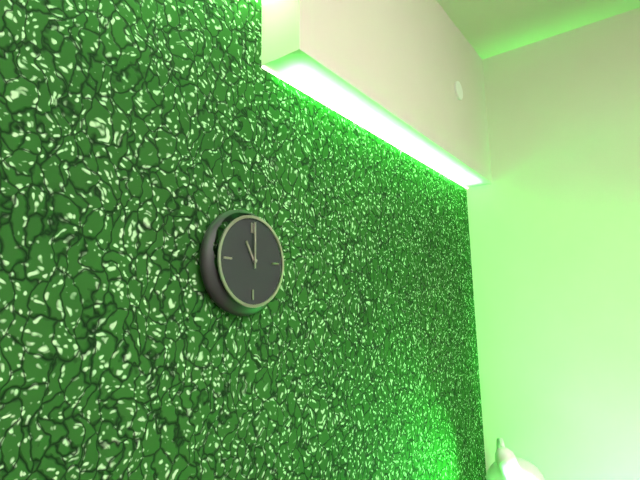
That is 11:00
